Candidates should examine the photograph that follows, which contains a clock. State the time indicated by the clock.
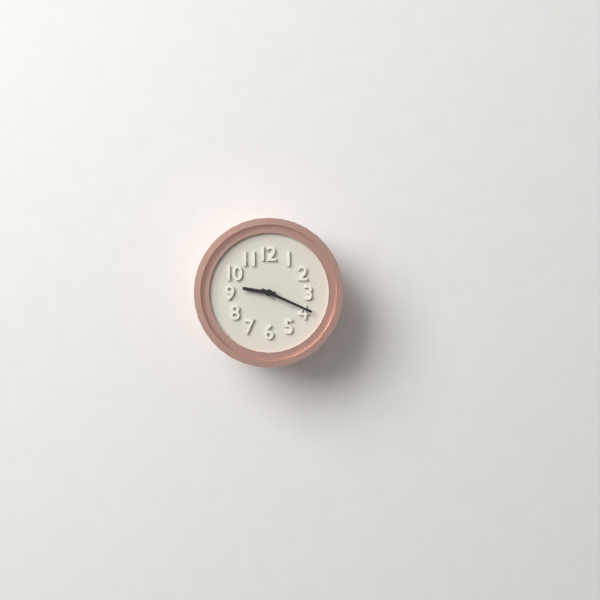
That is 9:19
